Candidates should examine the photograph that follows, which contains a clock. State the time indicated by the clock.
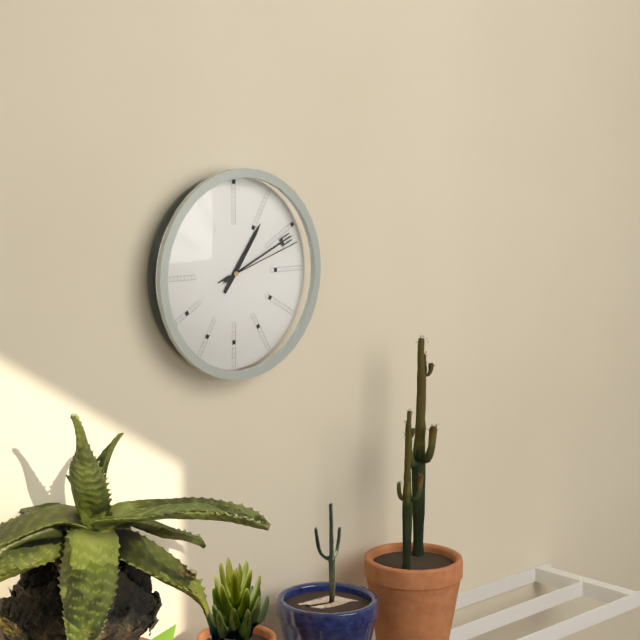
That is 1:11:12
